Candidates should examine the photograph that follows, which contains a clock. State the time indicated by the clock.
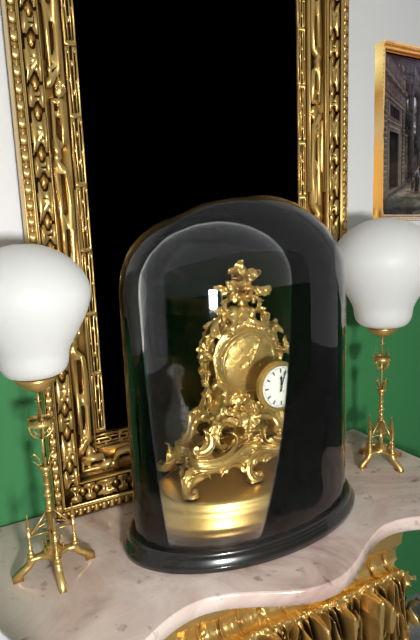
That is 12:03
